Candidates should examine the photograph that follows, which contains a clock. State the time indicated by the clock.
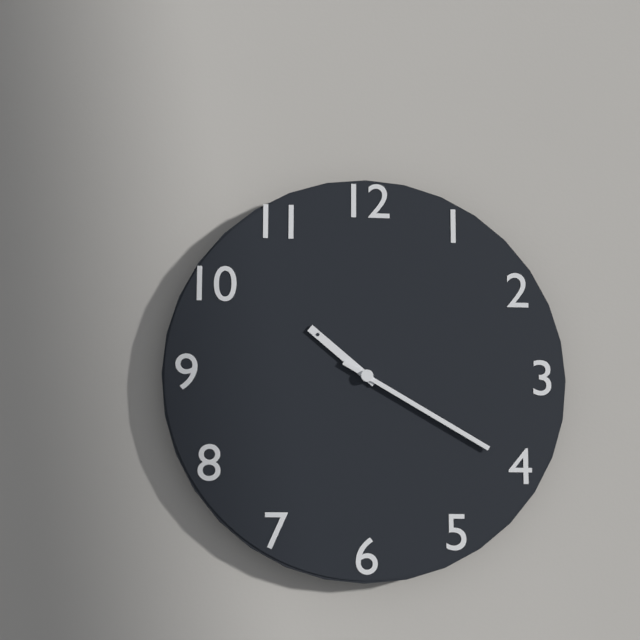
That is 10:20
